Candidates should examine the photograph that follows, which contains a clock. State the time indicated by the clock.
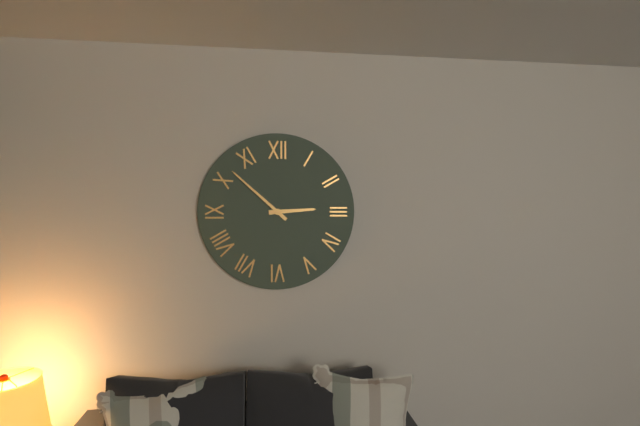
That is 2:52
